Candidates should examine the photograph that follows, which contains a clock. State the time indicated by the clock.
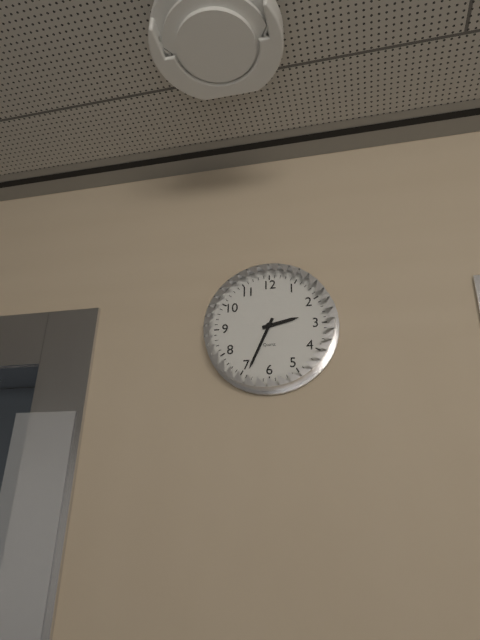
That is 2:34
